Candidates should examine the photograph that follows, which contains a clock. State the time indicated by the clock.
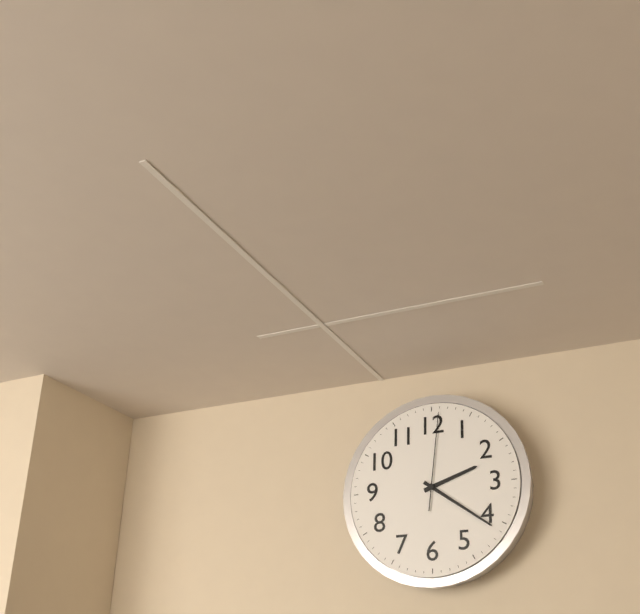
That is 2:21:01
